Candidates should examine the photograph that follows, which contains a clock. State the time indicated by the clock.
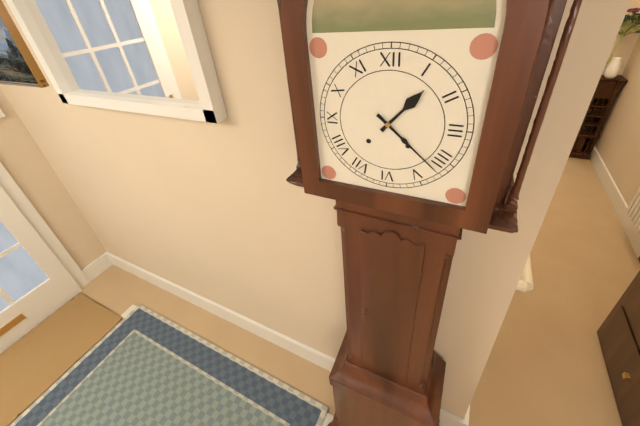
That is 1:22
